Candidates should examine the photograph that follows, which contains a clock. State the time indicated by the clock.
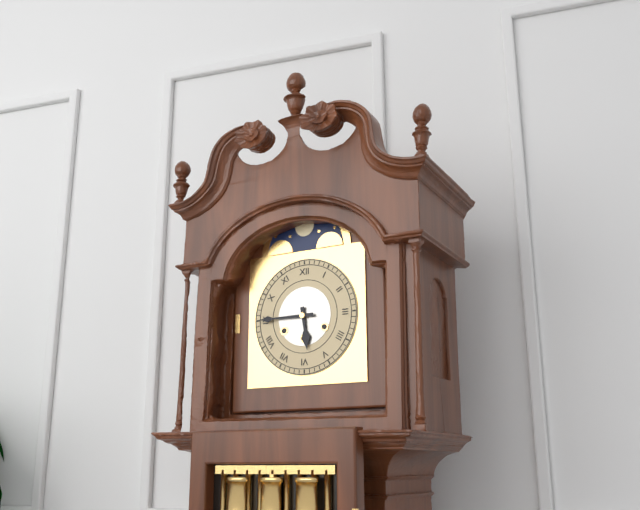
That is 5:45
